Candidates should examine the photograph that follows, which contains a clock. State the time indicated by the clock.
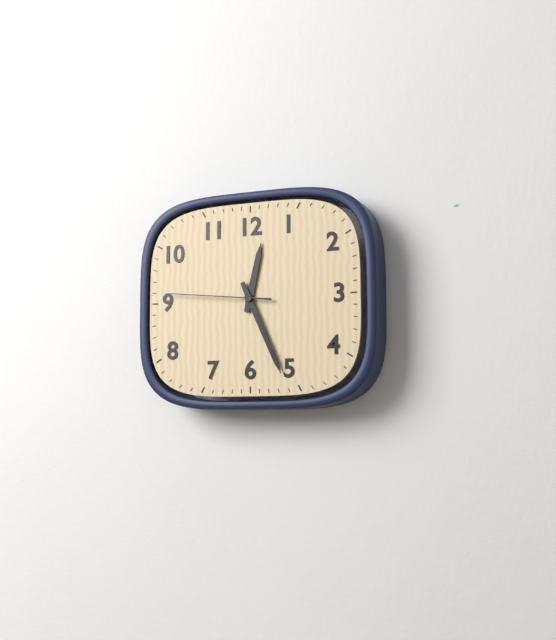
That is 12:26:46
